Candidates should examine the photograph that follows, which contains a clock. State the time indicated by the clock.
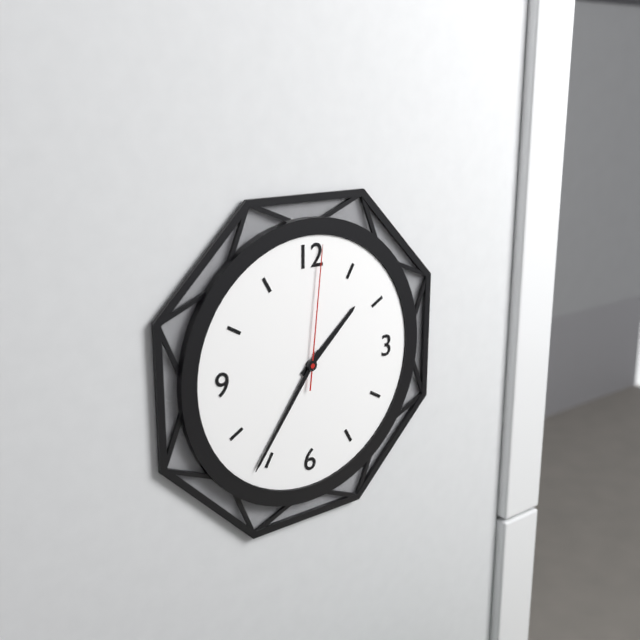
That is 1:36:01
